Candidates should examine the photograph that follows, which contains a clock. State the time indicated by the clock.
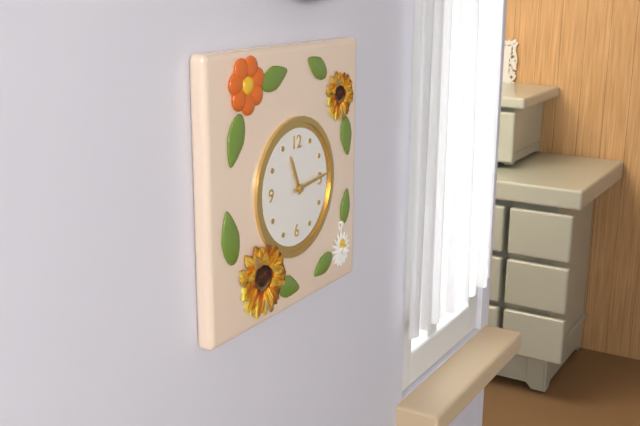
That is 11:14
